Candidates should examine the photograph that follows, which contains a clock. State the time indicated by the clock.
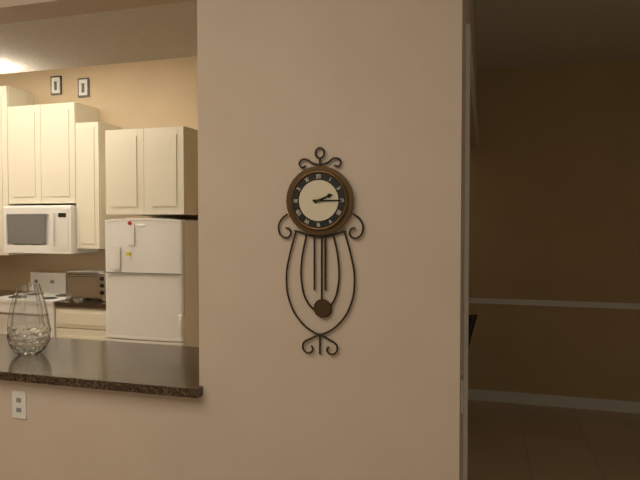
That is 2:15
